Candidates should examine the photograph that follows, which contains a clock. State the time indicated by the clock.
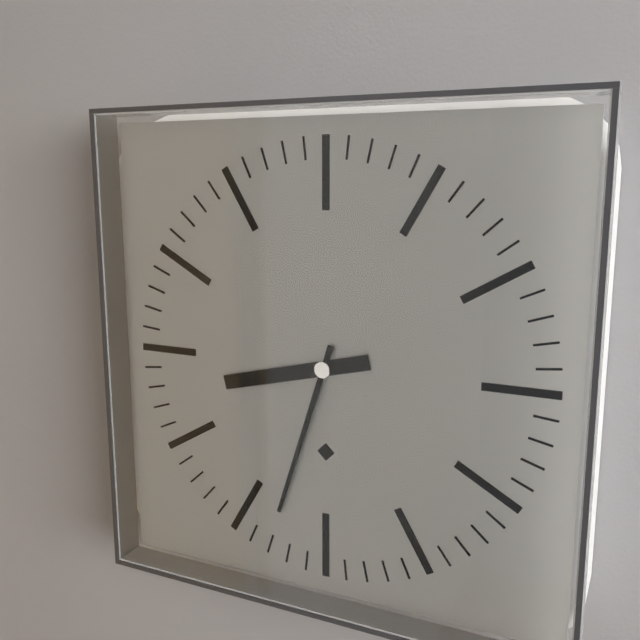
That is 8:33
